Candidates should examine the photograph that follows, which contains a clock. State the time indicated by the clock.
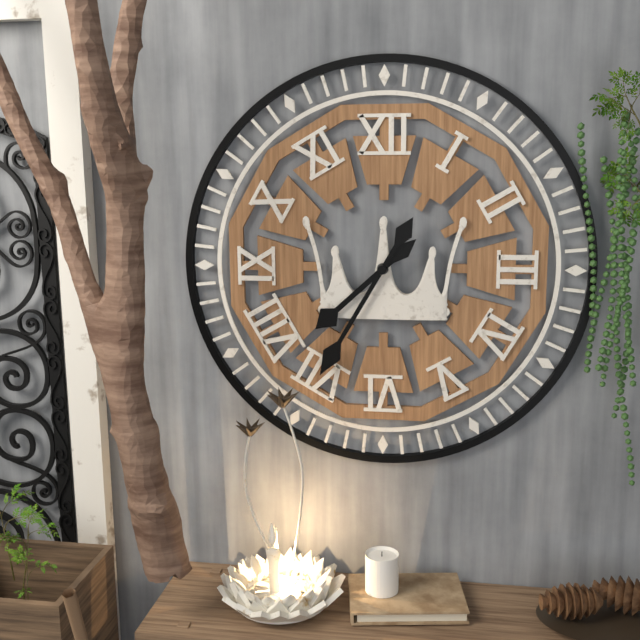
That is 7:35
